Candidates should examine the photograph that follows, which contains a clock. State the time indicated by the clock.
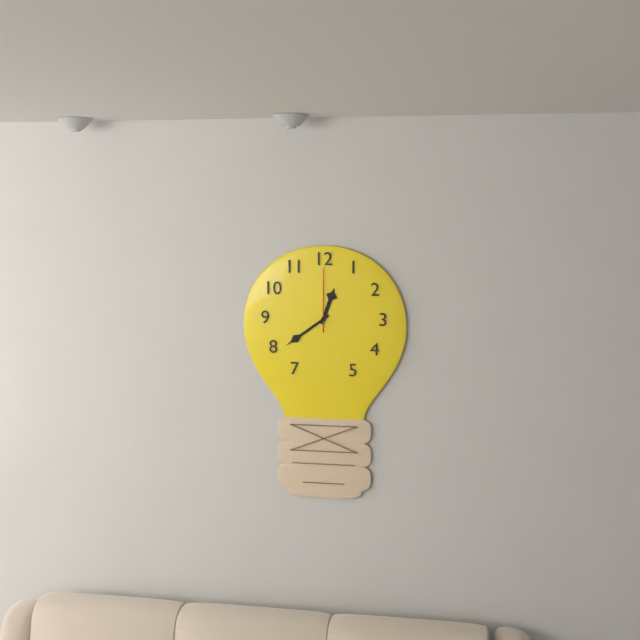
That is 12:39:00
